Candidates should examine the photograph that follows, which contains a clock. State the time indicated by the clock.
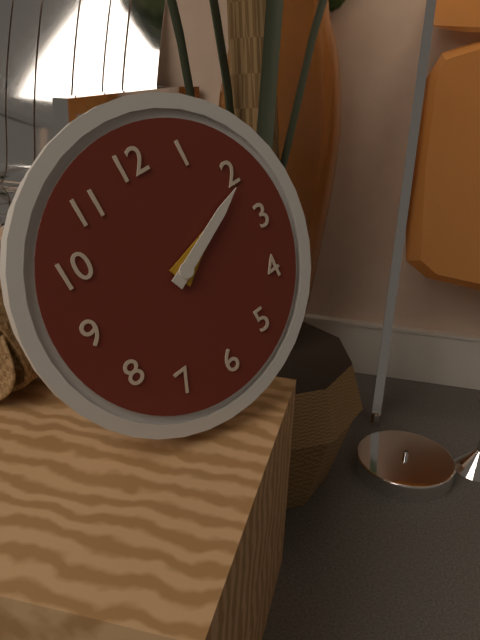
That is 2:11
